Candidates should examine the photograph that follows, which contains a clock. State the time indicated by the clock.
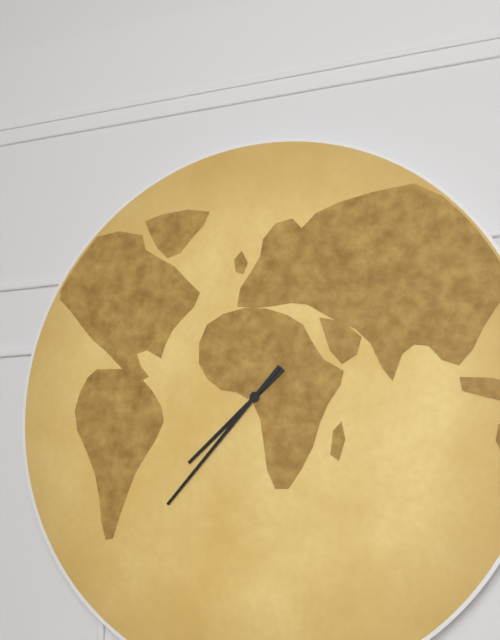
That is 7:37
